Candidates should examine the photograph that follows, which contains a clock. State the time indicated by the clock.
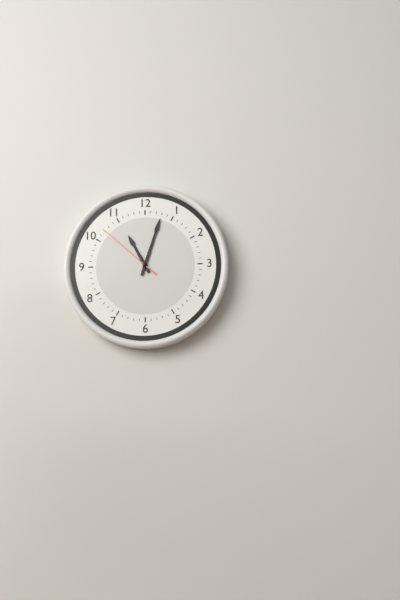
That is 11:03:52
